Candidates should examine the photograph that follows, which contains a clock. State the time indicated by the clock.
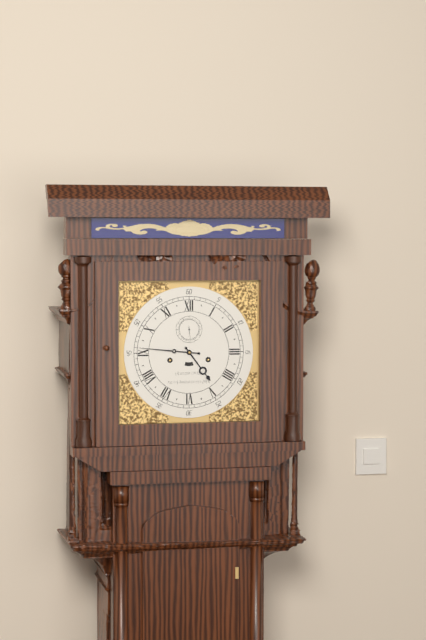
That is 4:46
